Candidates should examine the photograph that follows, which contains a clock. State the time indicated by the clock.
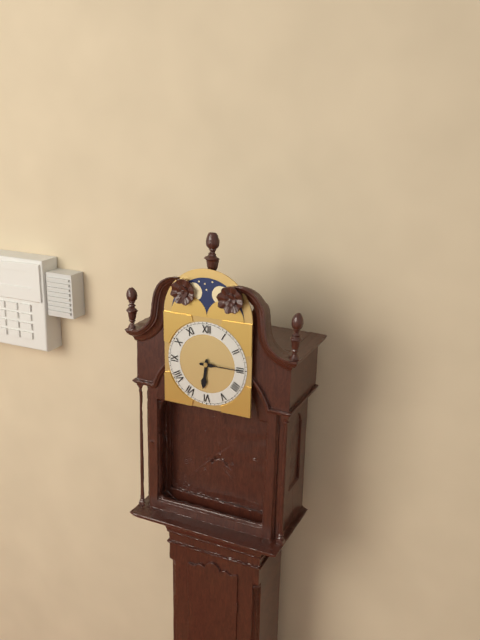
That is 6:15
